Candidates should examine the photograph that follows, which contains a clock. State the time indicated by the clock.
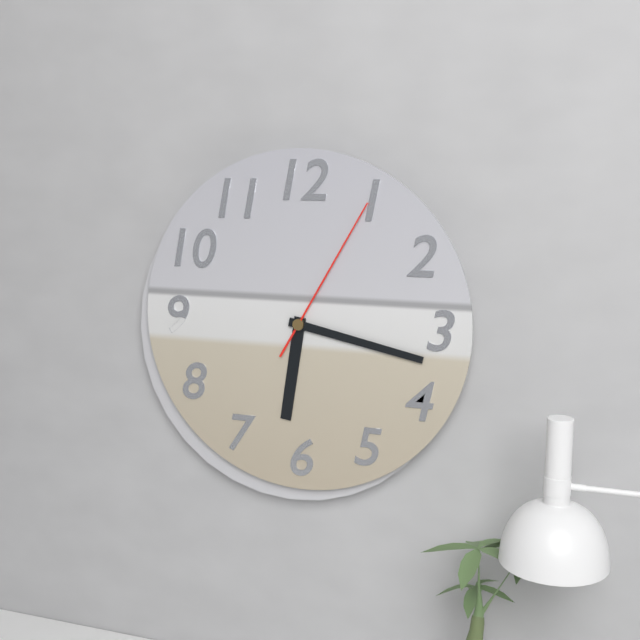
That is 6:17:05
